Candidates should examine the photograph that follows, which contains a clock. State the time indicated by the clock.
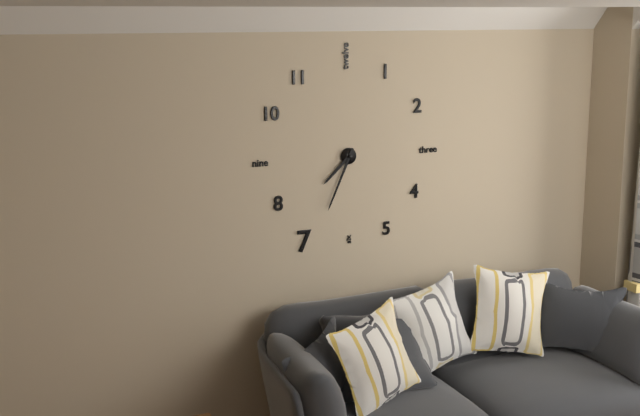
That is 7:34
